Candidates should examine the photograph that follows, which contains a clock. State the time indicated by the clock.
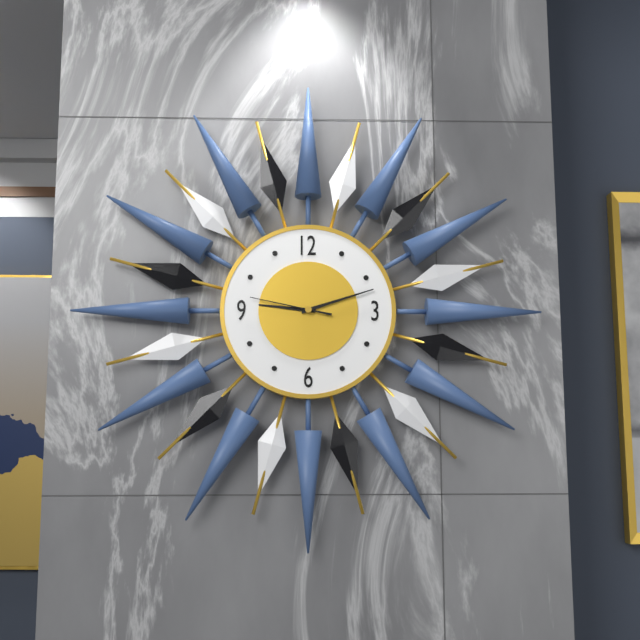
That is 9:12:47
